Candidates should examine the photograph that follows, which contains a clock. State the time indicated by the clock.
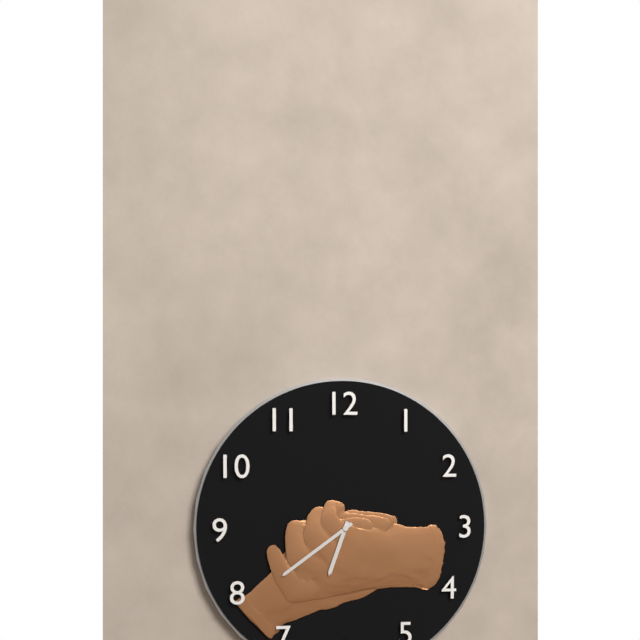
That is 6:39
